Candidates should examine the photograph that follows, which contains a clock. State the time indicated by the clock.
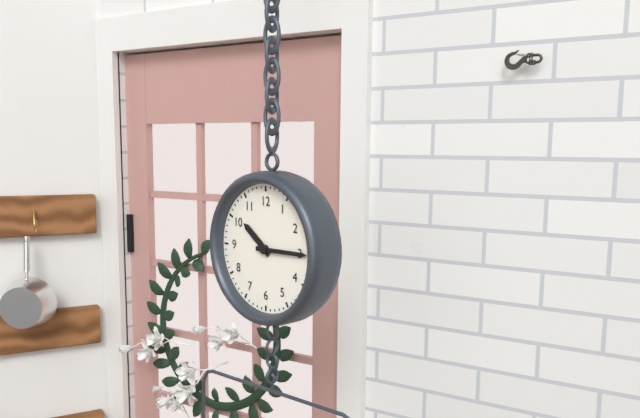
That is 10:15
